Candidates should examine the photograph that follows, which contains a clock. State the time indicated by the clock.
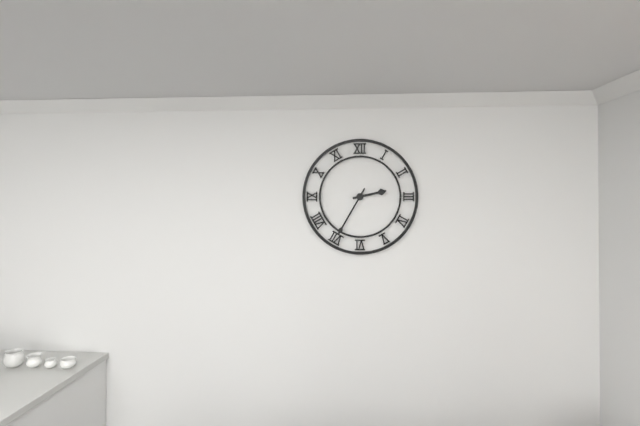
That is 2:35
